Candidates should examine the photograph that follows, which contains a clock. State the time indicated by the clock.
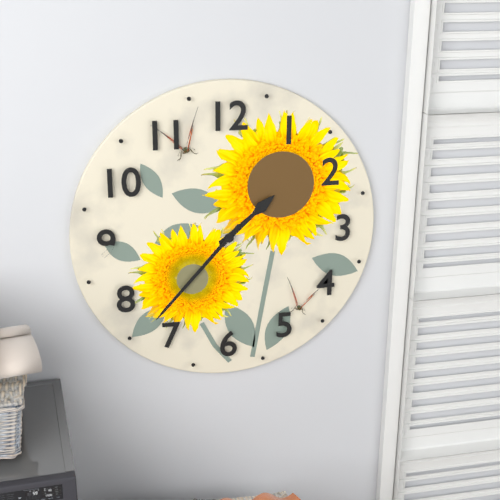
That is 1:37
